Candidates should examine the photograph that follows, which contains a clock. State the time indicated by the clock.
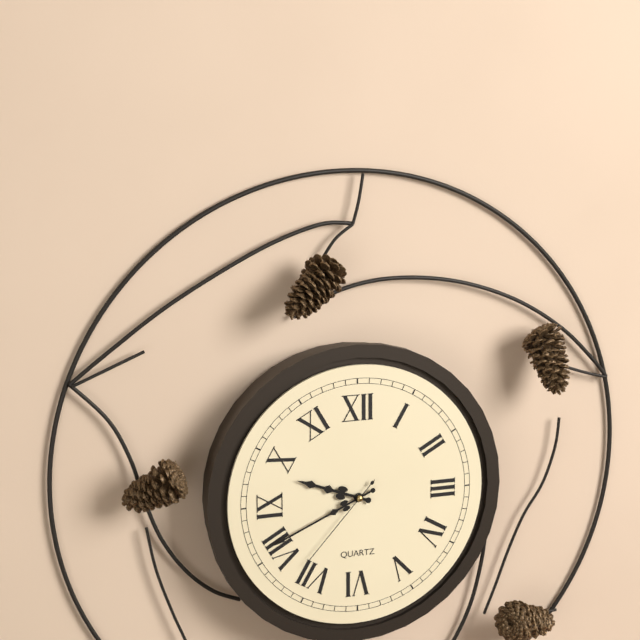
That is 9:41:37
